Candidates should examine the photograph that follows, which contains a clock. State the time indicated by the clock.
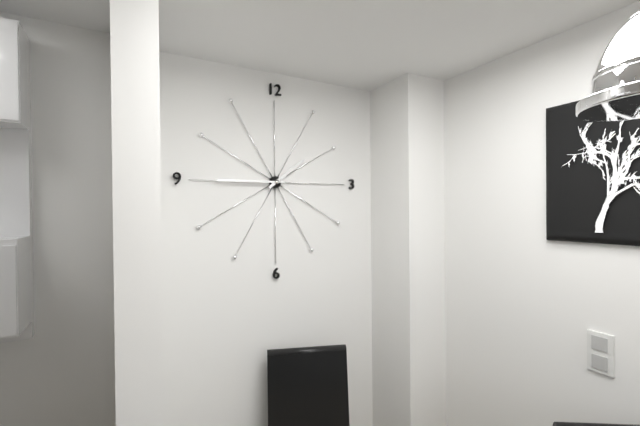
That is 1:45
